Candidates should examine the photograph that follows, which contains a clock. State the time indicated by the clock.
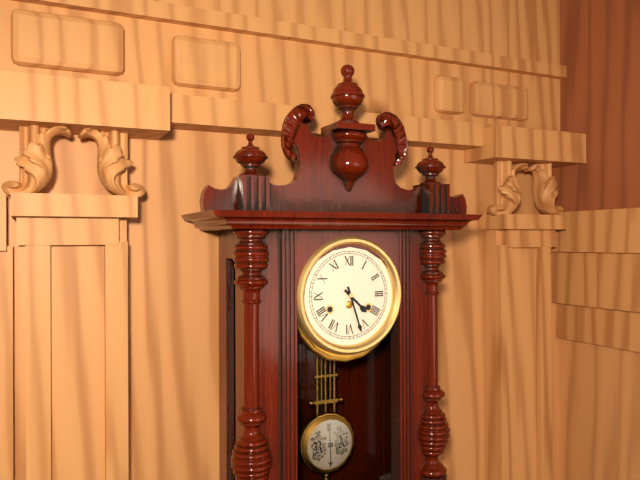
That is 4:27
